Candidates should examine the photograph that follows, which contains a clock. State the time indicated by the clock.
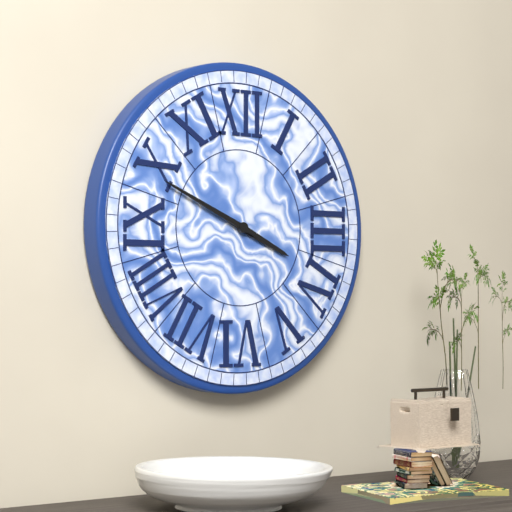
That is 3:49
